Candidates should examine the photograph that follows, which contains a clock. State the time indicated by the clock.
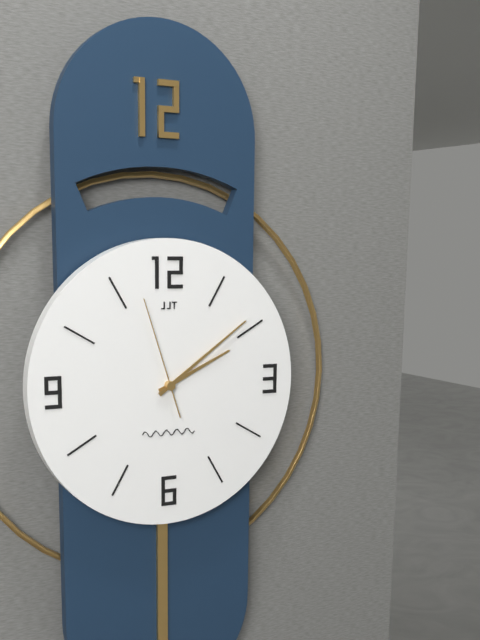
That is 2:09:57
